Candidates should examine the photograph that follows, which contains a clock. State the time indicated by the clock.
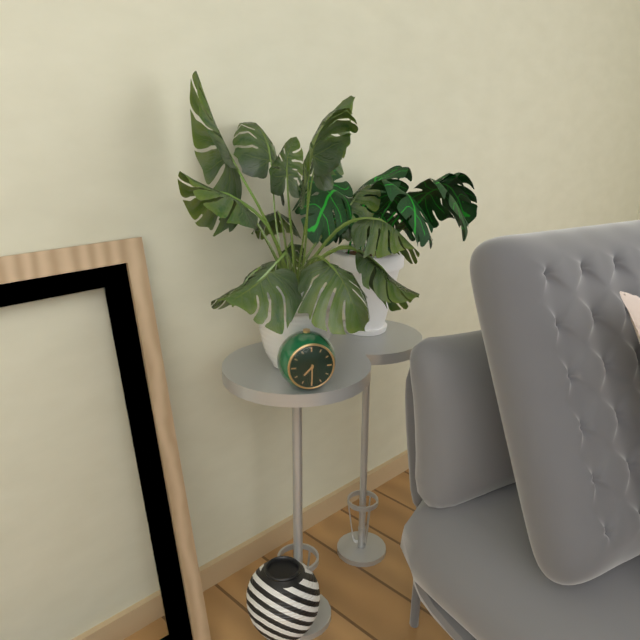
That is 7:30
